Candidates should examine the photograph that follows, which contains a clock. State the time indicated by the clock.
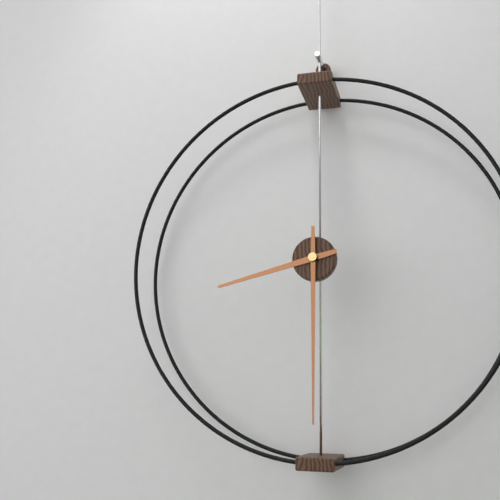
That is 8:30
